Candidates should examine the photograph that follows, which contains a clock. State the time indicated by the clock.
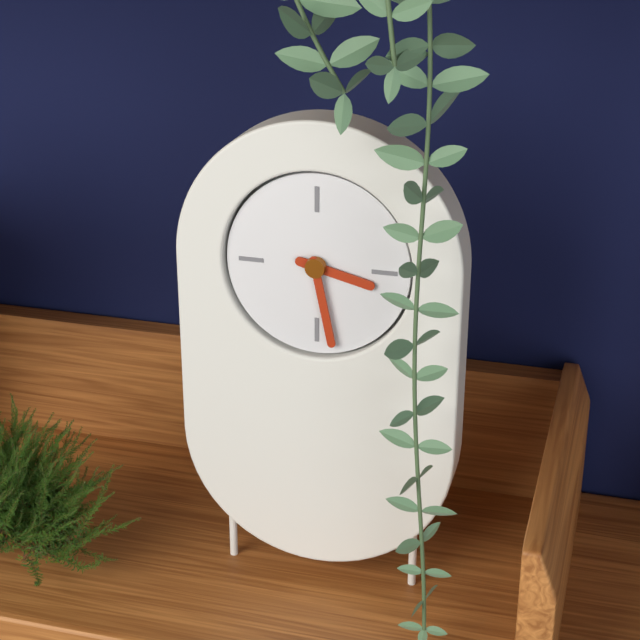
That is 3:28
